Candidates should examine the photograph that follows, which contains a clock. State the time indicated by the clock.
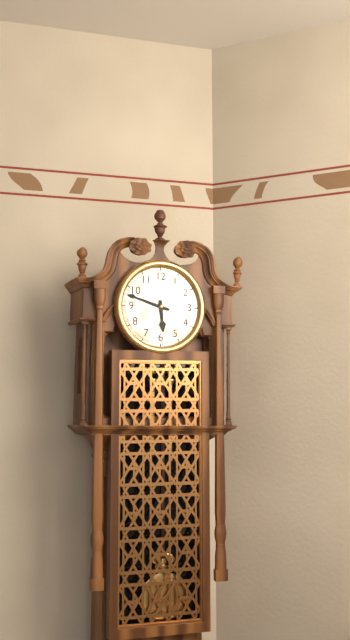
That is 5:48
